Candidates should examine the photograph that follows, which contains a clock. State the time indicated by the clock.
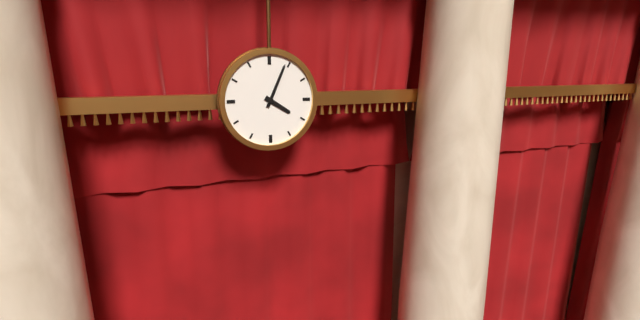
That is 4:04
